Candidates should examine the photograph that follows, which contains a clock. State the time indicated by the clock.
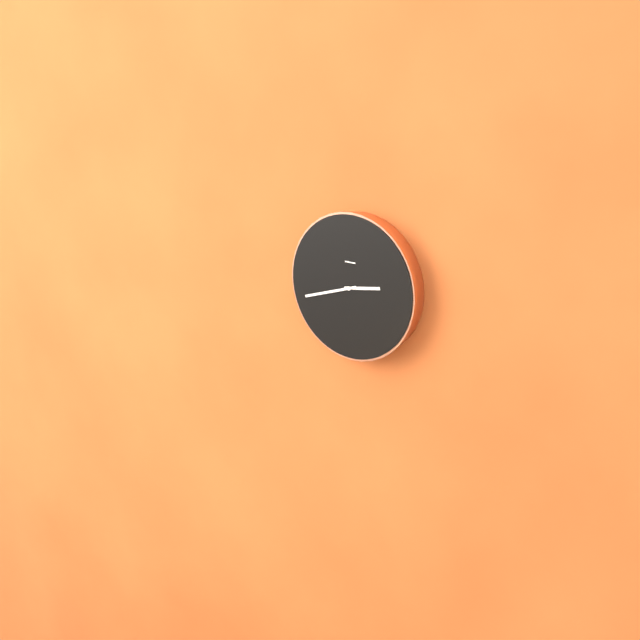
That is 2:42
